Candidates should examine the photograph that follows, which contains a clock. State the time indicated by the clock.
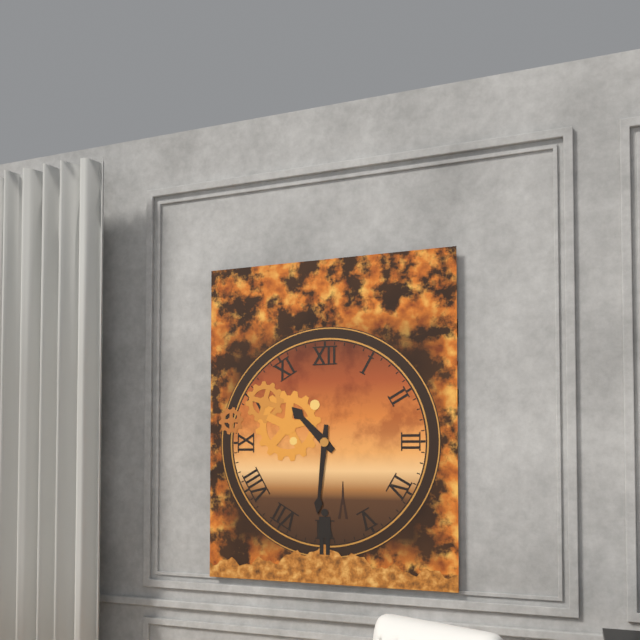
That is 10:31
